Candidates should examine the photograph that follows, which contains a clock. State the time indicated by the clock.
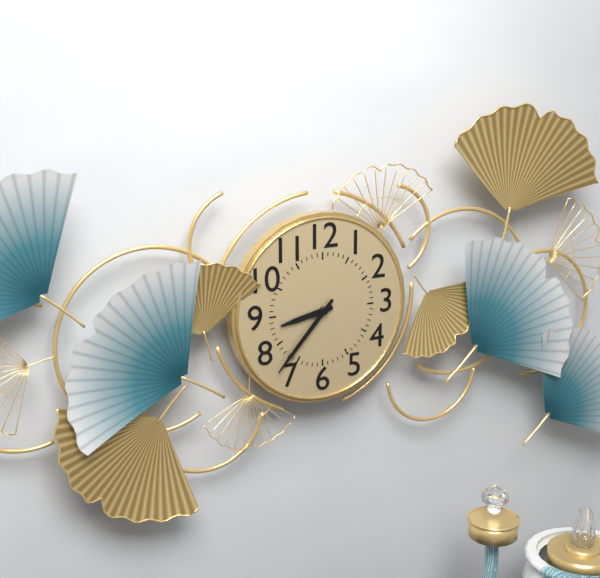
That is 8:37
